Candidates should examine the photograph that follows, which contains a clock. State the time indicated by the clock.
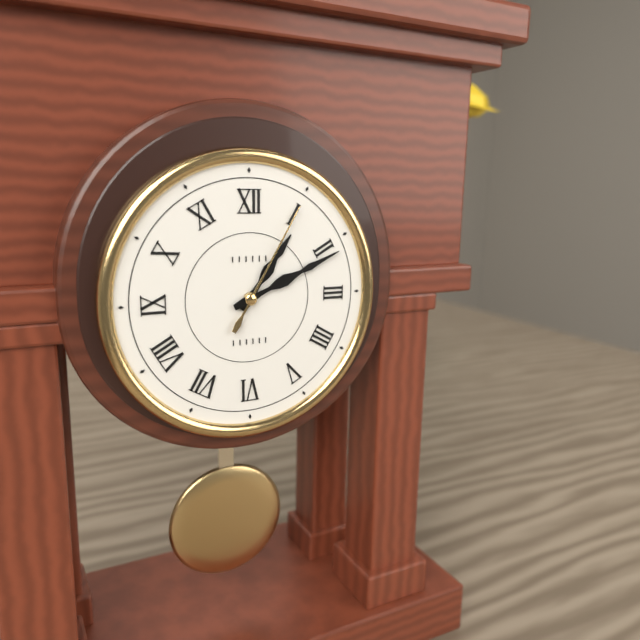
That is 1:11:05
